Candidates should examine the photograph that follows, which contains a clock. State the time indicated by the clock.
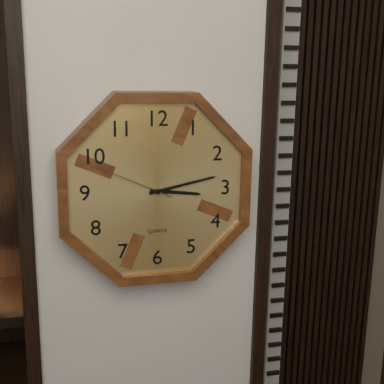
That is 3:13:49
